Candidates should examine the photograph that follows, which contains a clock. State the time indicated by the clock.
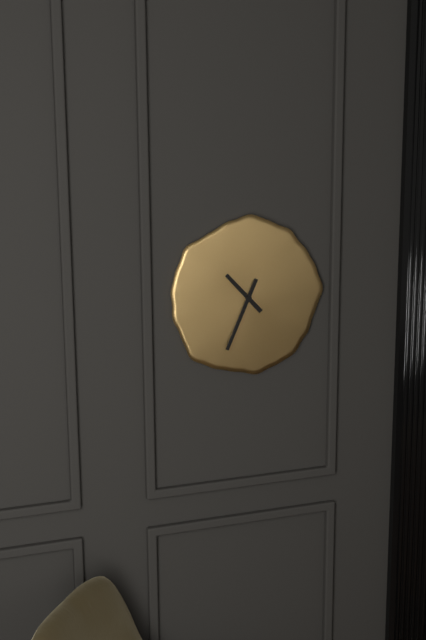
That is 10:34
